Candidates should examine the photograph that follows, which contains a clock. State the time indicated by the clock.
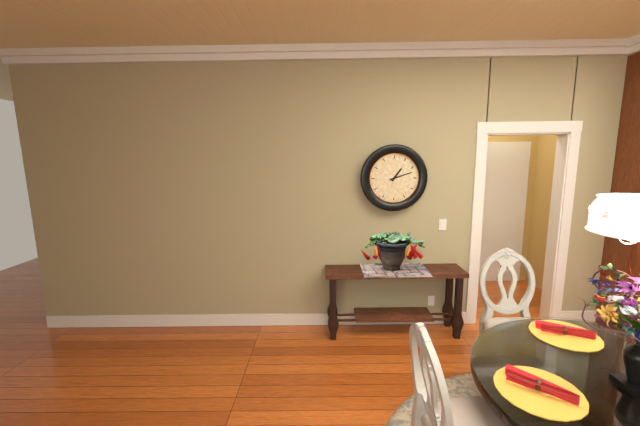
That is 1:12
